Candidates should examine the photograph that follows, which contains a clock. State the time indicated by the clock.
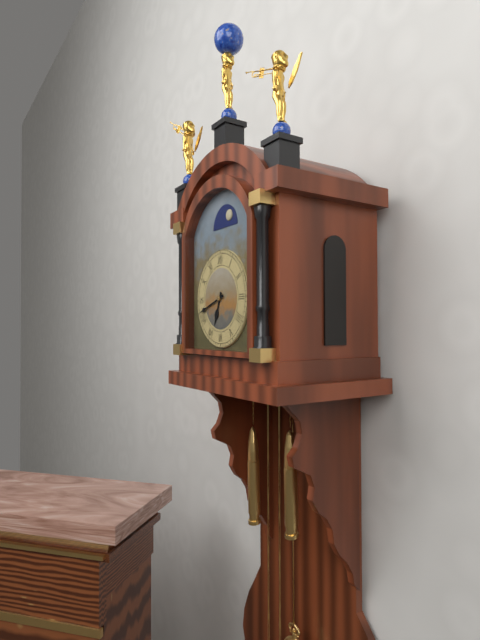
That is 6:42
